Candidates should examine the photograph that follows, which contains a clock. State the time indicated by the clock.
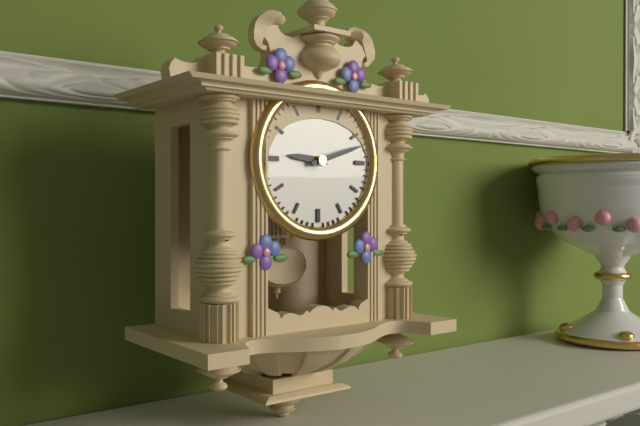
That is 9:12
